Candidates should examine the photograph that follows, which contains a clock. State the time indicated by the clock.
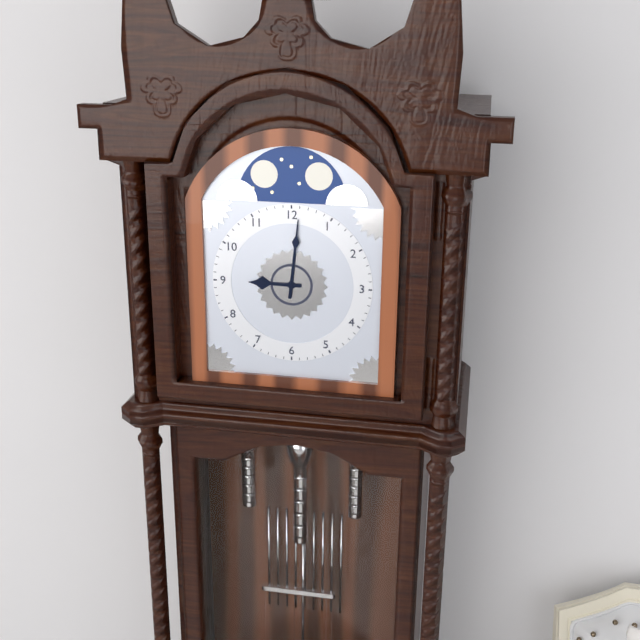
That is 9:01
